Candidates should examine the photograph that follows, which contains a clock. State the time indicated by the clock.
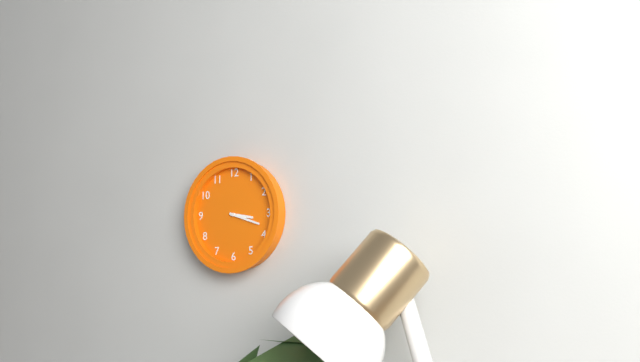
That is 3:18
